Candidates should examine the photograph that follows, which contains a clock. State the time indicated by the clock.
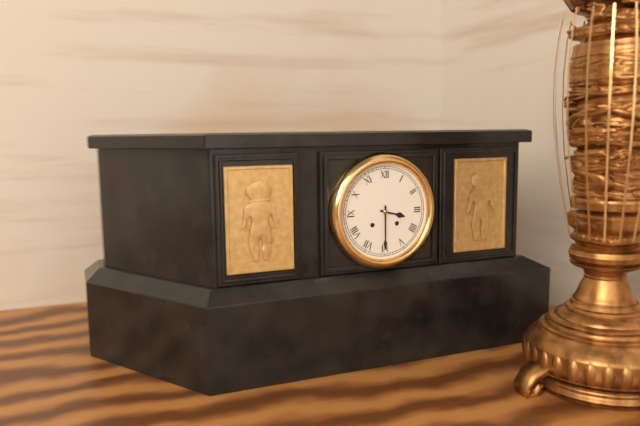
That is 3:30
